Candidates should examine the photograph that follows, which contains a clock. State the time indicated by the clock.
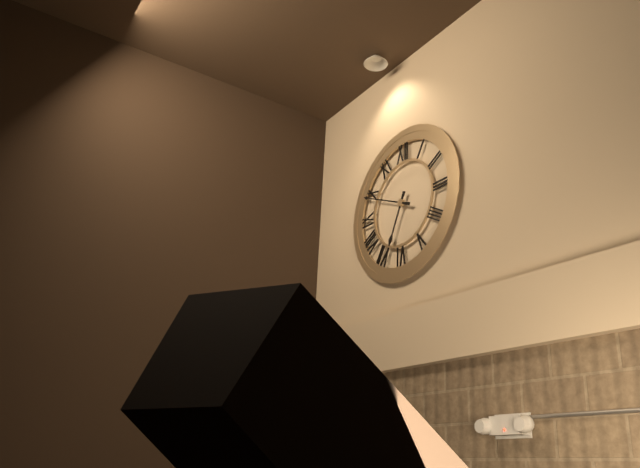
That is 6:49
